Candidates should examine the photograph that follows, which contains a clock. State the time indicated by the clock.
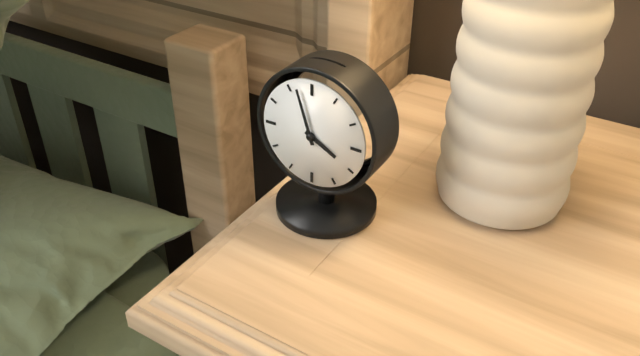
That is 3:57
